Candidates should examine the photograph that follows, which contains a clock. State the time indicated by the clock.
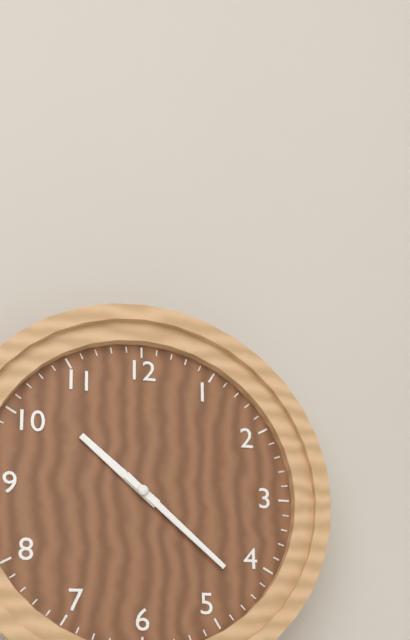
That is 10:22
